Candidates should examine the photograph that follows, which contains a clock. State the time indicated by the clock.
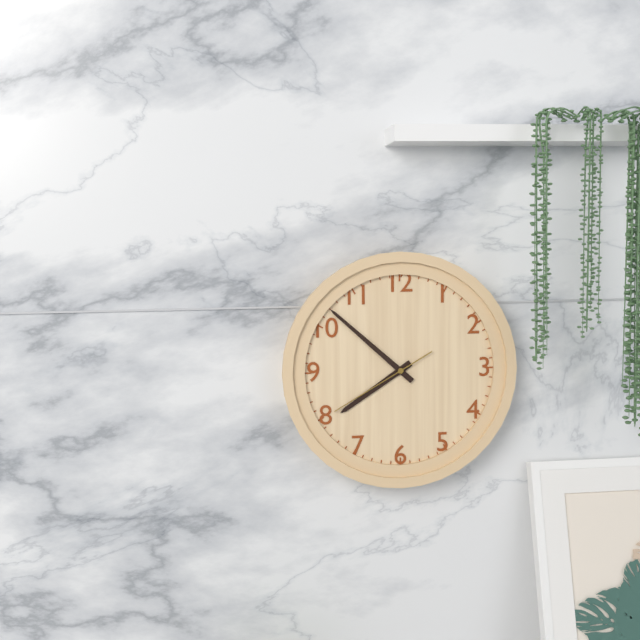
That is 7:52:40
